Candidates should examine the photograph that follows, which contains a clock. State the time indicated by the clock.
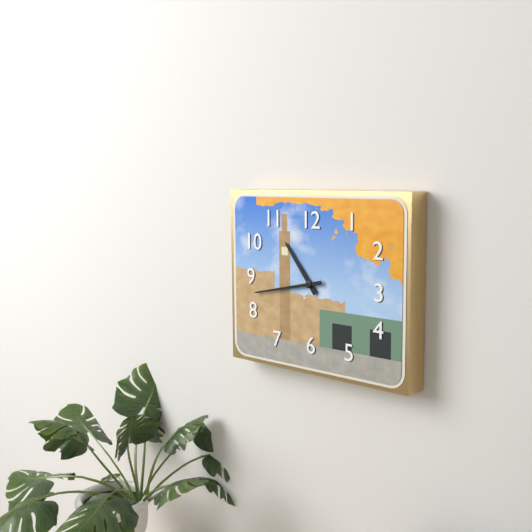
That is 10:43
